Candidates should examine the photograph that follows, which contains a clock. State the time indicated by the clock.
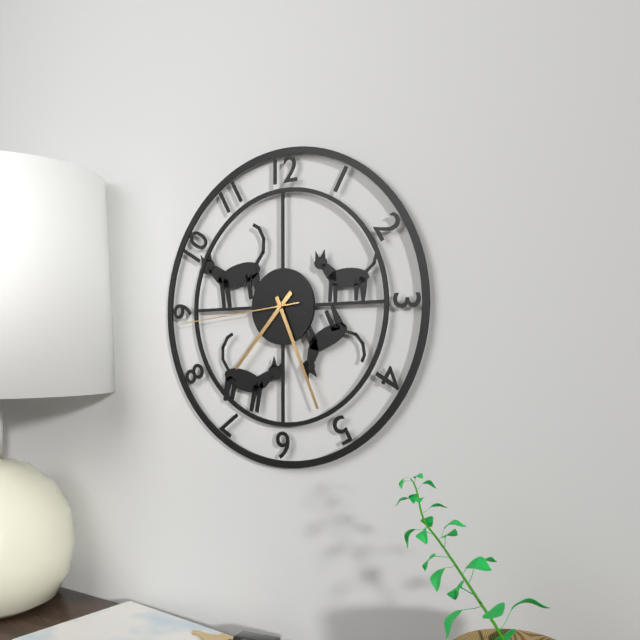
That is 7:26:44
